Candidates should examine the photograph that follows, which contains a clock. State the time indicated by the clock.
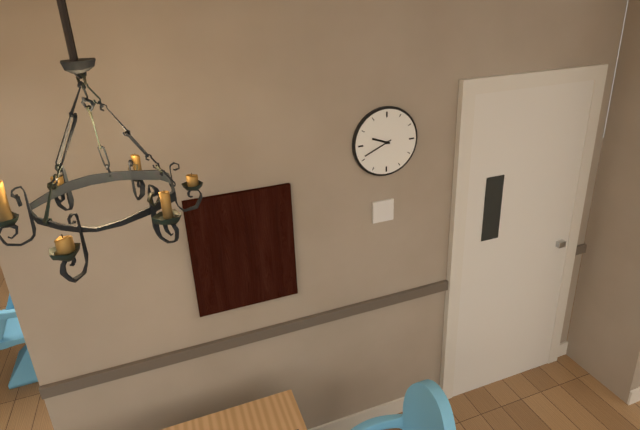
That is 9:41
